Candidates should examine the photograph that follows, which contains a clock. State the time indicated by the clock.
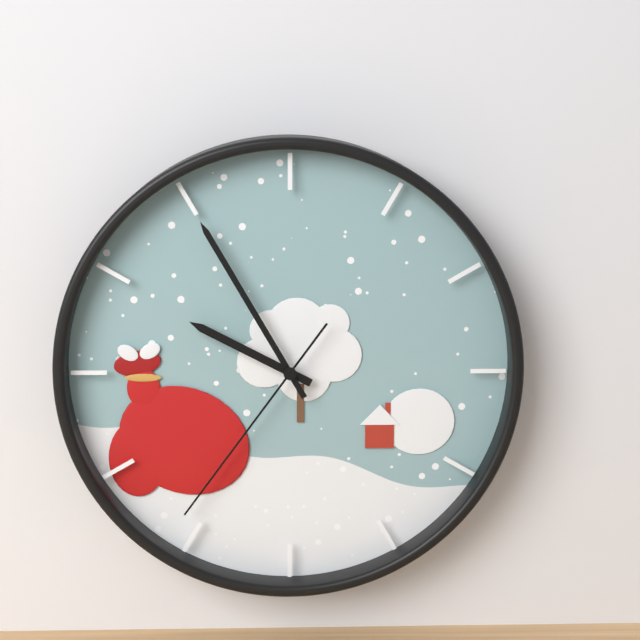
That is 9:55:36
